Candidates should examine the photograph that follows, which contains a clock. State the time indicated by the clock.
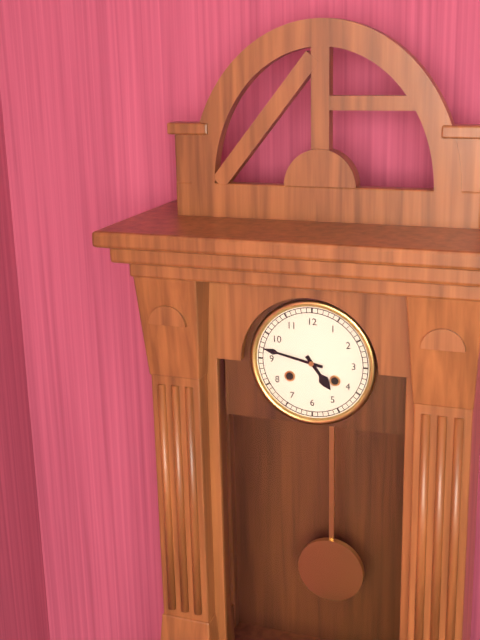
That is 4:47
